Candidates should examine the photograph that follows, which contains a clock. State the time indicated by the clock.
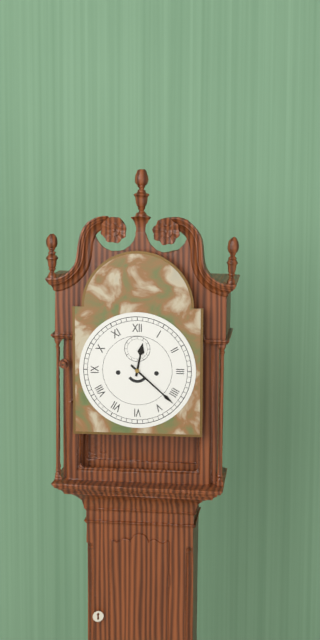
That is 12:22
